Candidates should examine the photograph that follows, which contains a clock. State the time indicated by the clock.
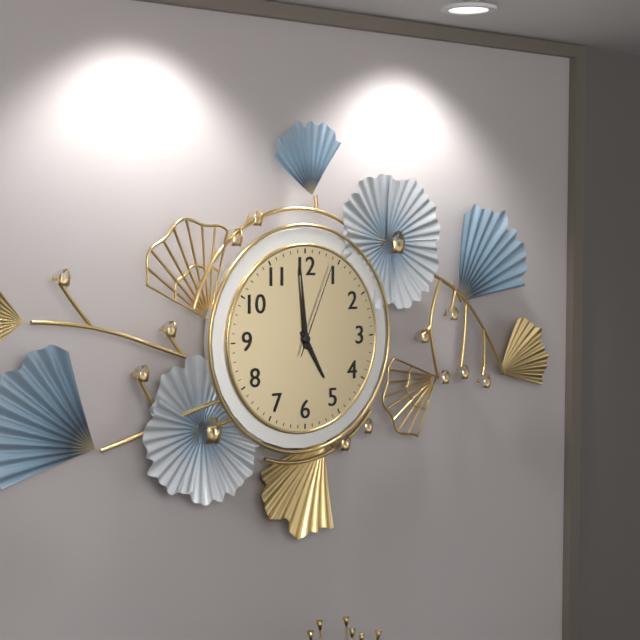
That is 4:59:04
